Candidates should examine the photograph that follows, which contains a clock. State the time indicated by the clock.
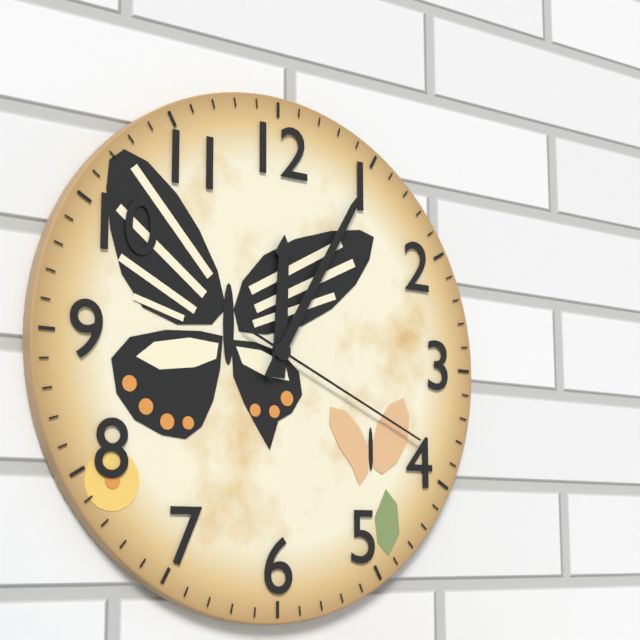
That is 12:05:19
